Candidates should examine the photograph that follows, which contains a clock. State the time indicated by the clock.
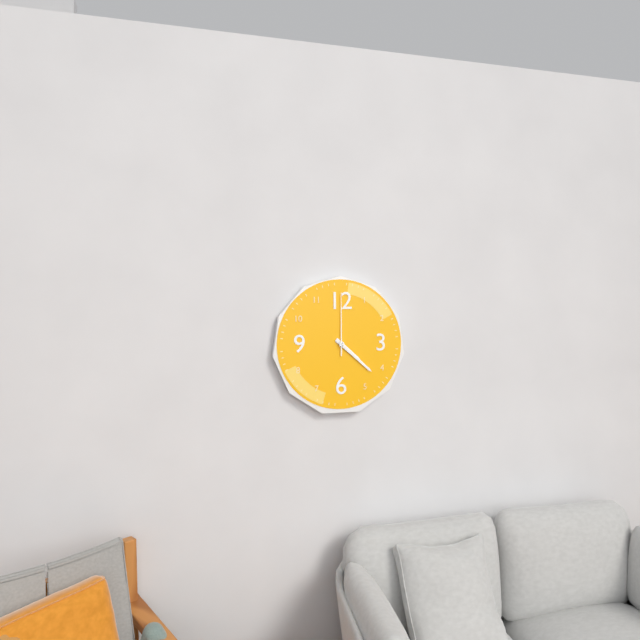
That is 4:22:00
